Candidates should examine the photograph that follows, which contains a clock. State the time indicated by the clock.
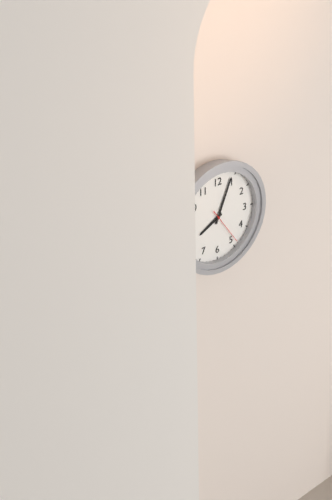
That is 8:04
